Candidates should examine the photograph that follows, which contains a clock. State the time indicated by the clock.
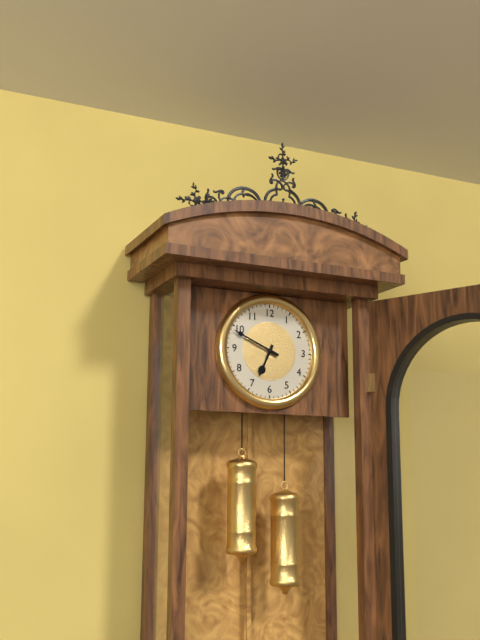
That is 6:49
